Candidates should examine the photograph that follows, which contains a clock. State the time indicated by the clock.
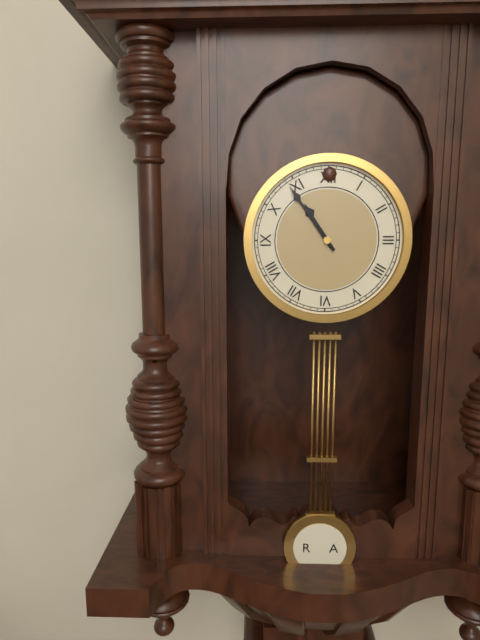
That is 10:54
